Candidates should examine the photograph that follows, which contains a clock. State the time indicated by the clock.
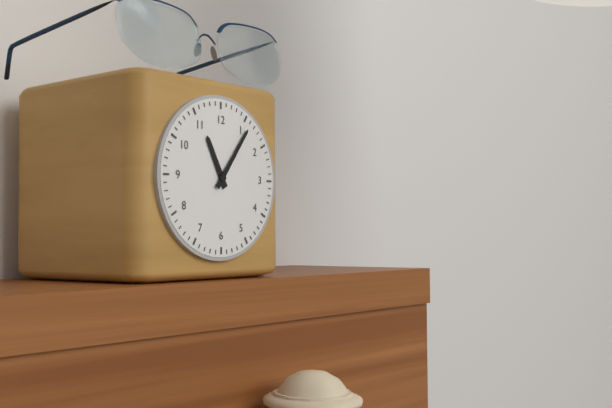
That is 11:06
